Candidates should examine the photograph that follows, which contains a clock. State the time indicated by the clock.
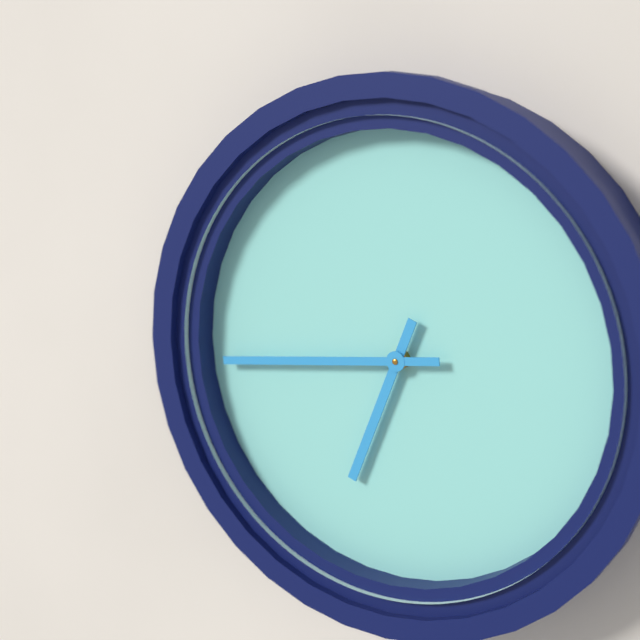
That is 6:44
